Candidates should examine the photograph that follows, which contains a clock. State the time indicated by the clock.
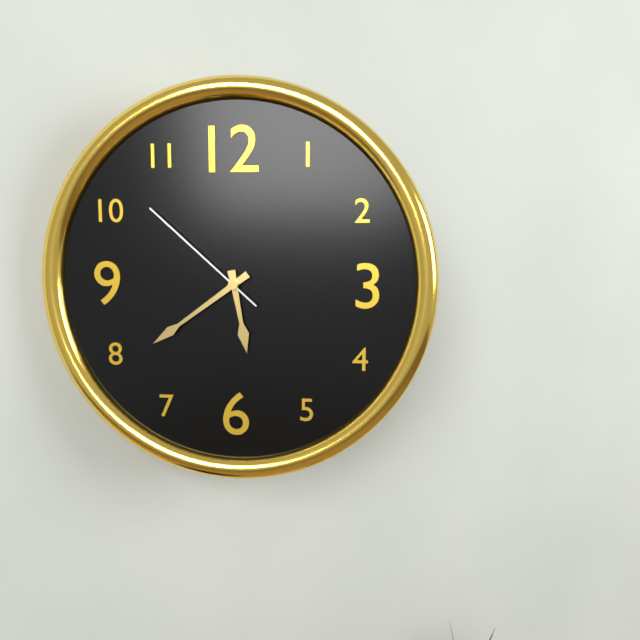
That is 5:39:52
